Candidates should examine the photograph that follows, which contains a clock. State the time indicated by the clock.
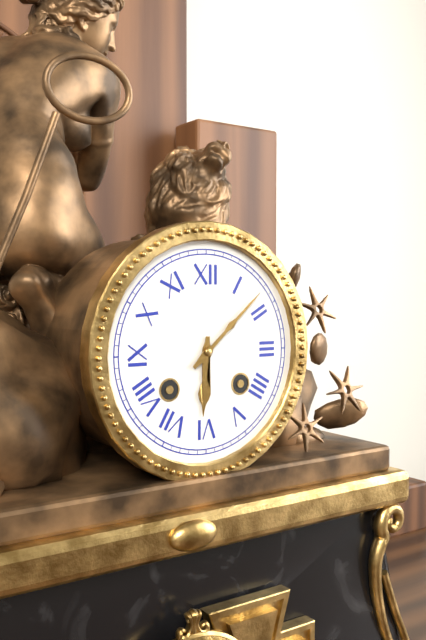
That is 6:08
